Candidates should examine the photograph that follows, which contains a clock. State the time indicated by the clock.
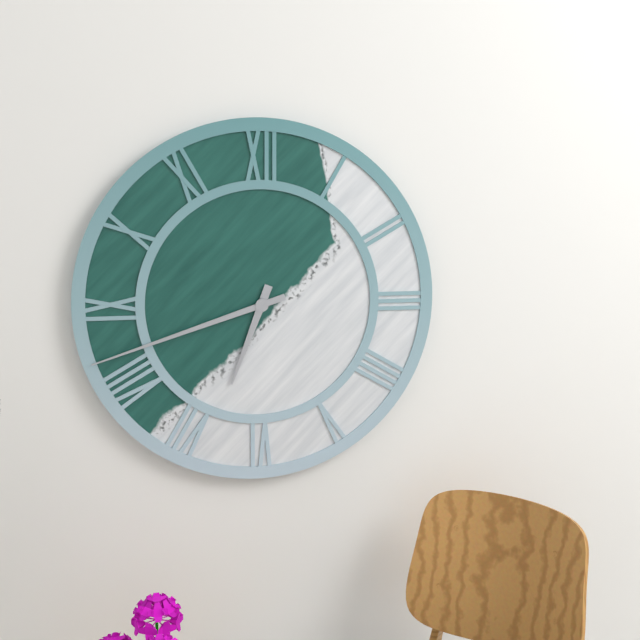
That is 6:42
